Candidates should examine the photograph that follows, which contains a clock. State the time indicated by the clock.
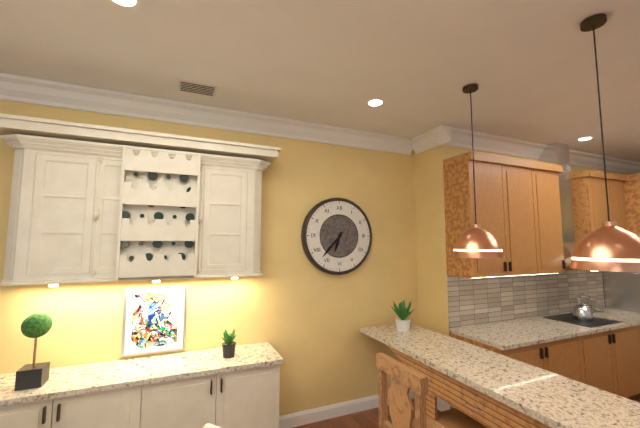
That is 6:37
